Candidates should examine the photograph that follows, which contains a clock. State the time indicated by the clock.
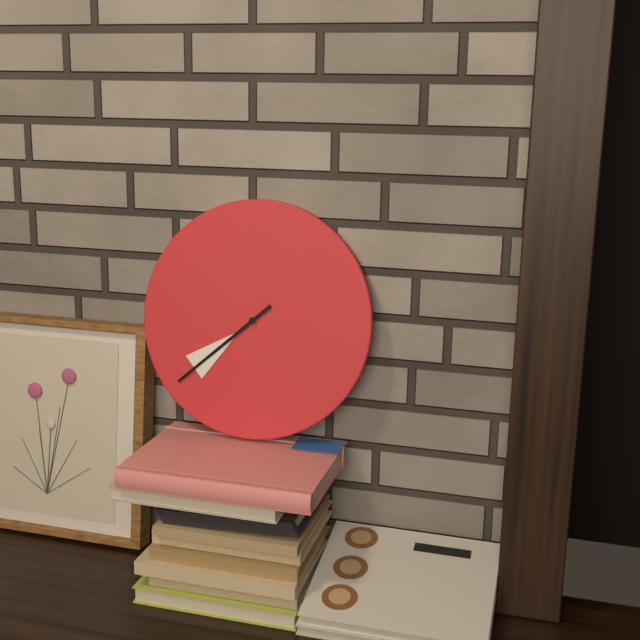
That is 7:38
